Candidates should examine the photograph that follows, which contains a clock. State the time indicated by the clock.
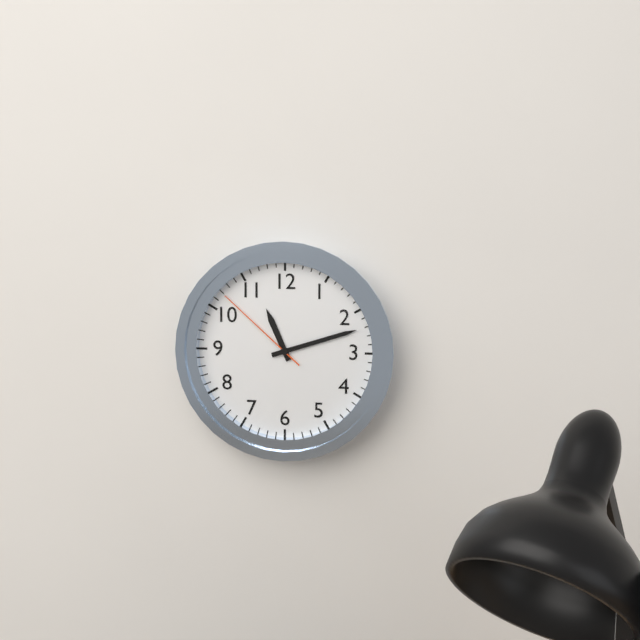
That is 11:12:52
